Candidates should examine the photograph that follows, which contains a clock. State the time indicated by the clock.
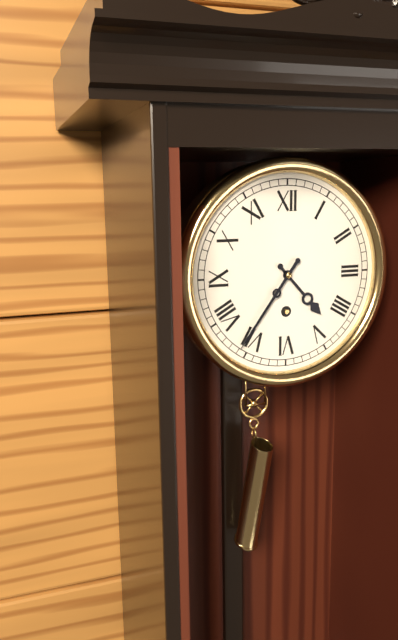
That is 4:36
